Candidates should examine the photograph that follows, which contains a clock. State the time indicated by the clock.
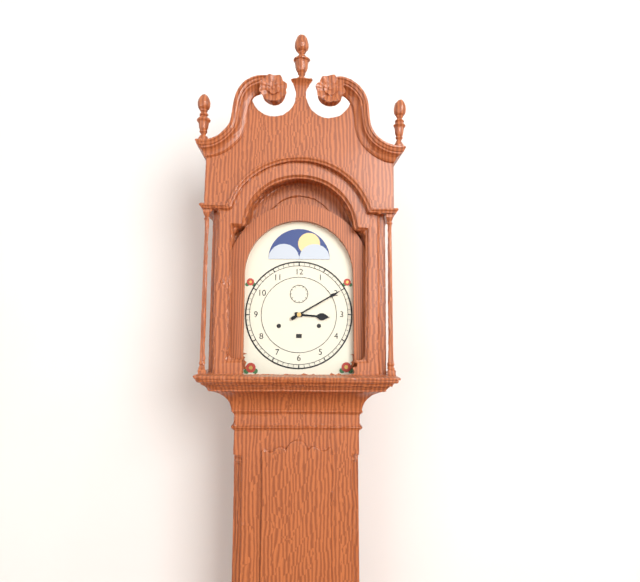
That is 3:10
